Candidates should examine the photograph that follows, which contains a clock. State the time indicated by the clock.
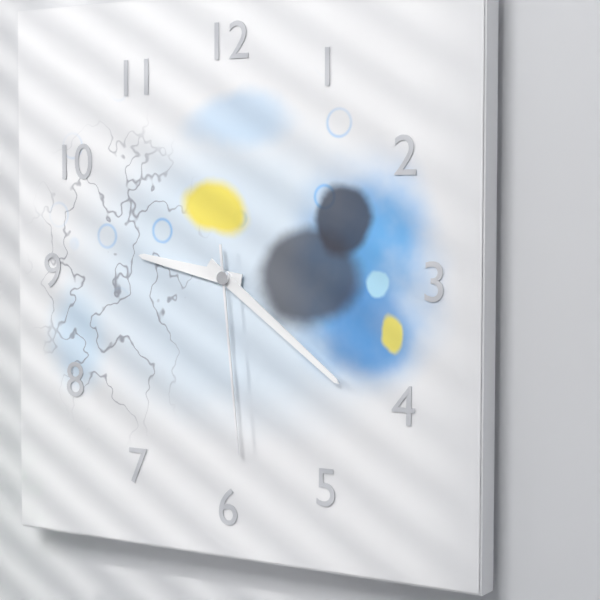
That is 9:21:29
